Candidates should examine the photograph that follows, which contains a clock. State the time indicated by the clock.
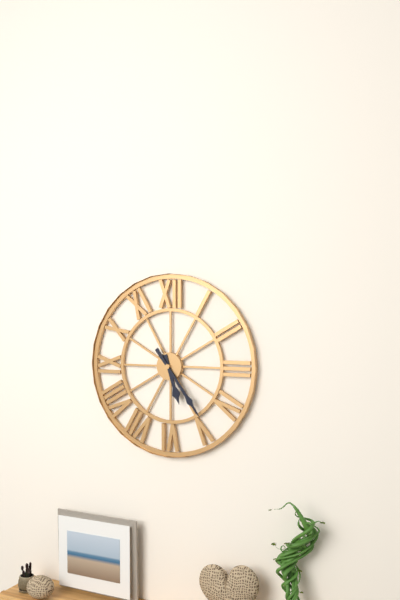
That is 5:24
